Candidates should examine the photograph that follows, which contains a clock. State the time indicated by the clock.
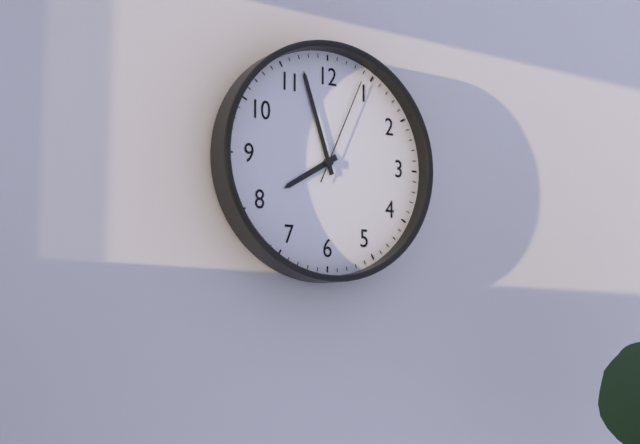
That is 7:57:04
